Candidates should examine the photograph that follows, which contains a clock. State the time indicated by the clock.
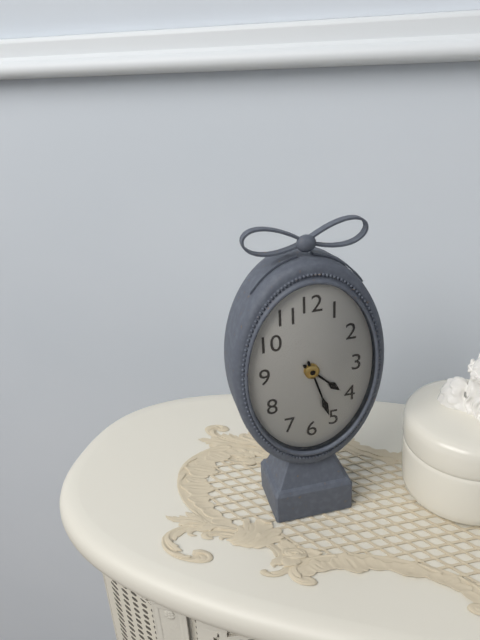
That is 4:27
